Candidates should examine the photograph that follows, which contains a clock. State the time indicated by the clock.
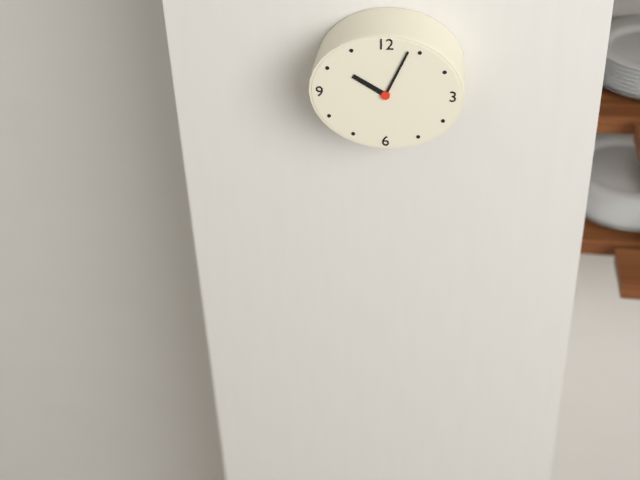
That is 10:04
